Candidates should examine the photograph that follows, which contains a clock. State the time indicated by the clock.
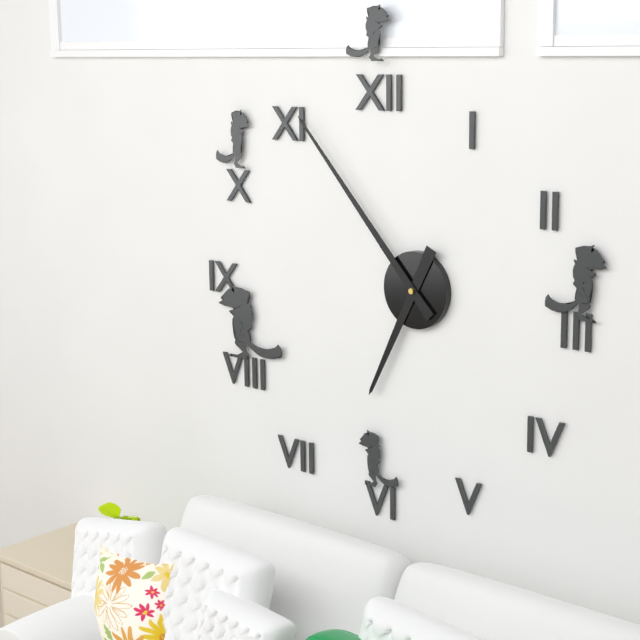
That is 6:53
